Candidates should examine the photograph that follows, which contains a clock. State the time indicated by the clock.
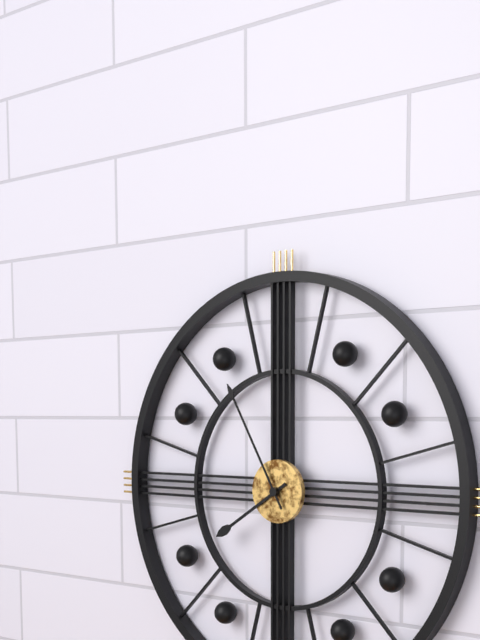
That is 7:55
